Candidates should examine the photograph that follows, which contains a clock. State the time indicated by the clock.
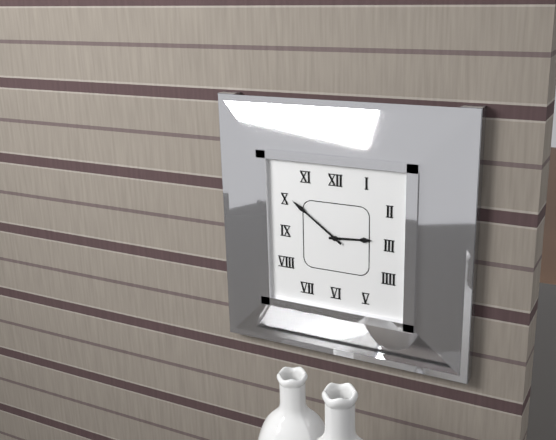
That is 2:51
